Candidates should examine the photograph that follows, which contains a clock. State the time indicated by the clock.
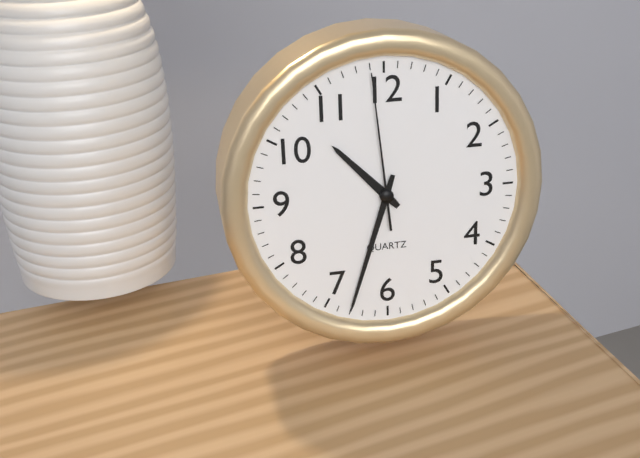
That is 10:33:59
